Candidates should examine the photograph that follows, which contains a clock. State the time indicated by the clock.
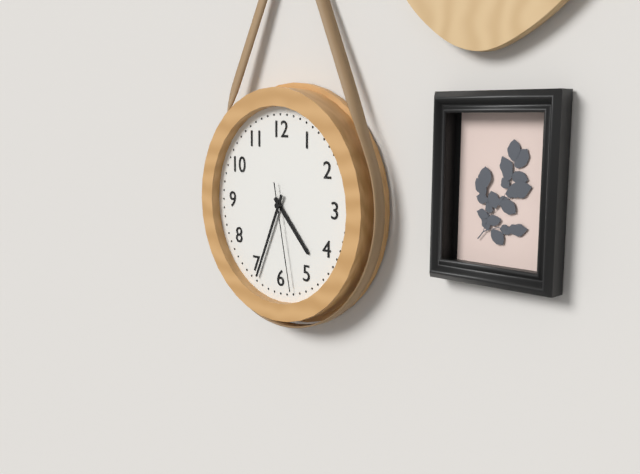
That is 4:34:28
